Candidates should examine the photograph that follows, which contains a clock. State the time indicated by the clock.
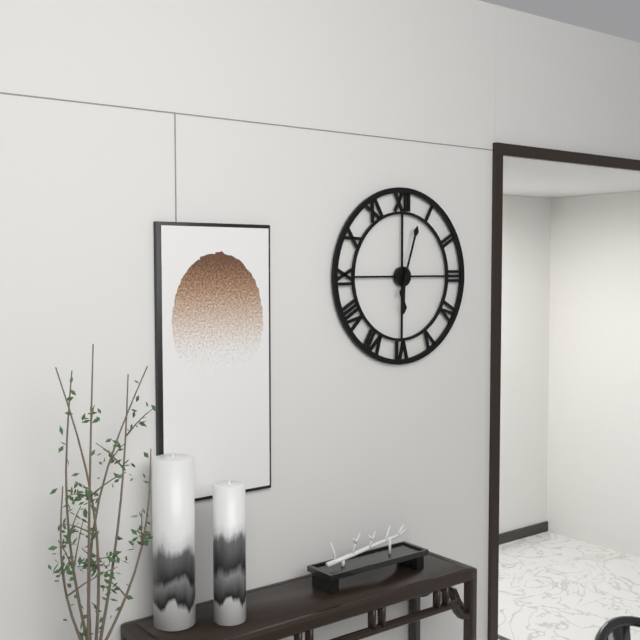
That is 6:03
